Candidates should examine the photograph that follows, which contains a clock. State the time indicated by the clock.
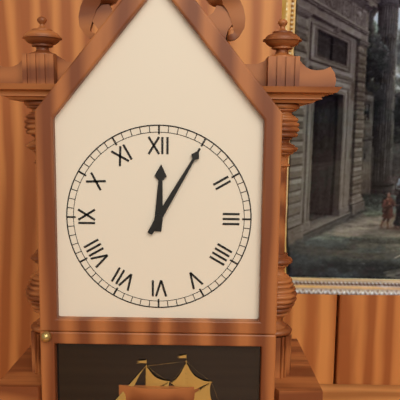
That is 12:05
